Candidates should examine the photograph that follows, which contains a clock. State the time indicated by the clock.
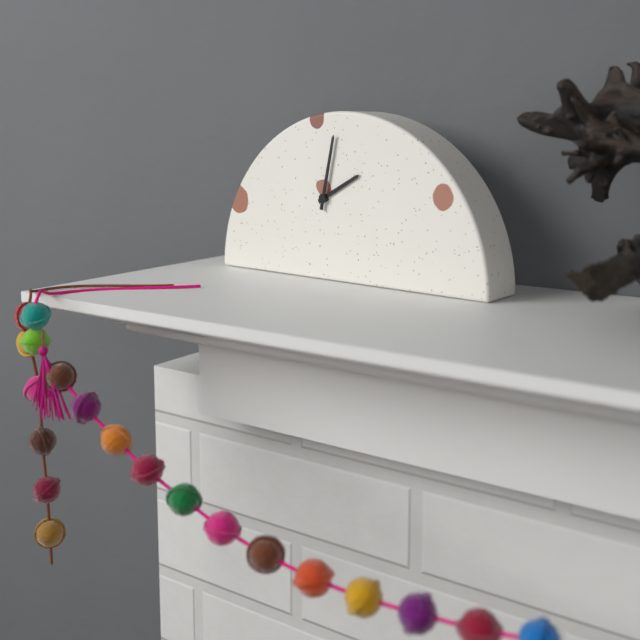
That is 2:02
